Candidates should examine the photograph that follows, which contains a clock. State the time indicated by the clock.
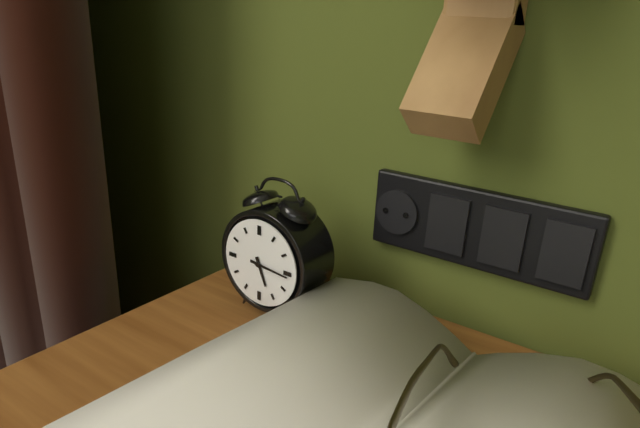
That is 5:16
